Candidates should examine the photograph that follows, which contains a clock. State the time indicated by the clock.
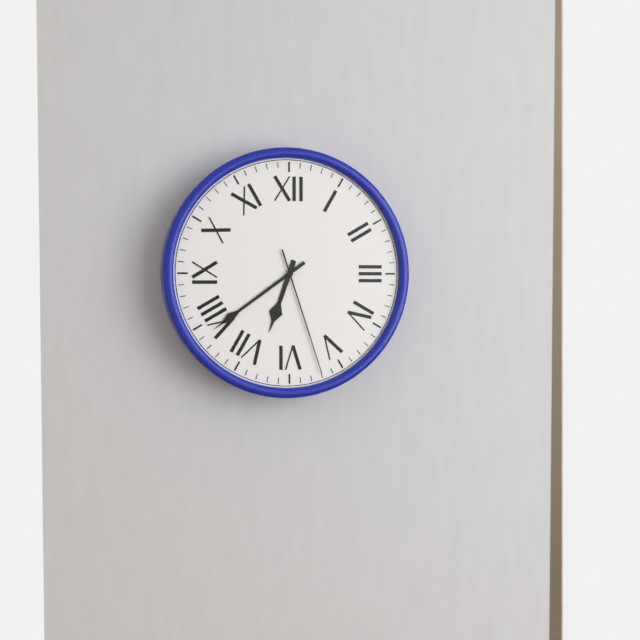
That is 6:39:27
